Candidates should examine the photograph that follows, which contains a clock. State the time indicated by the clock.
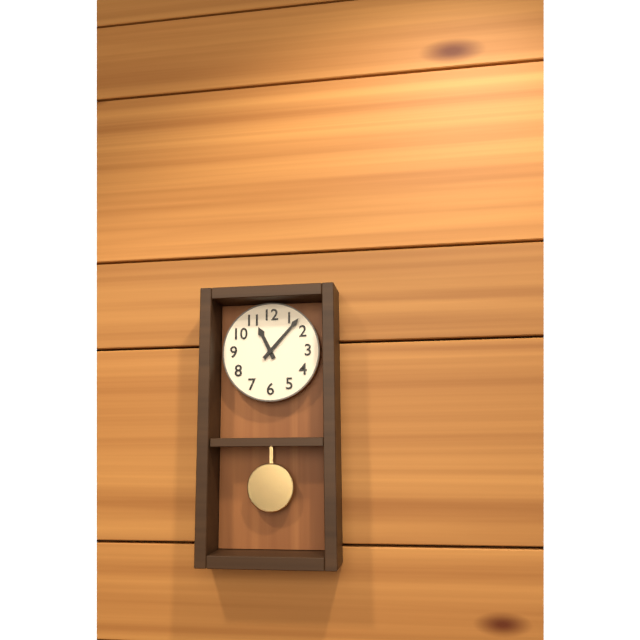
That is 11:07
